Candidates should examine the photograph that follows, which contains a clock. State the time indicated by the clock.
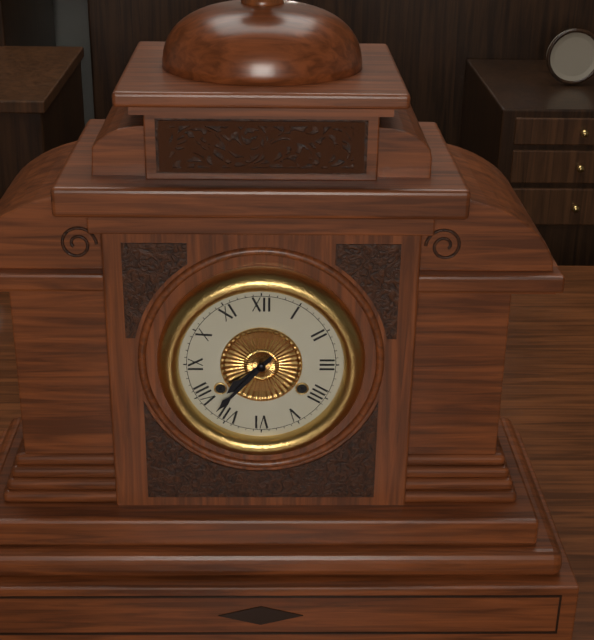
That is 7:37
